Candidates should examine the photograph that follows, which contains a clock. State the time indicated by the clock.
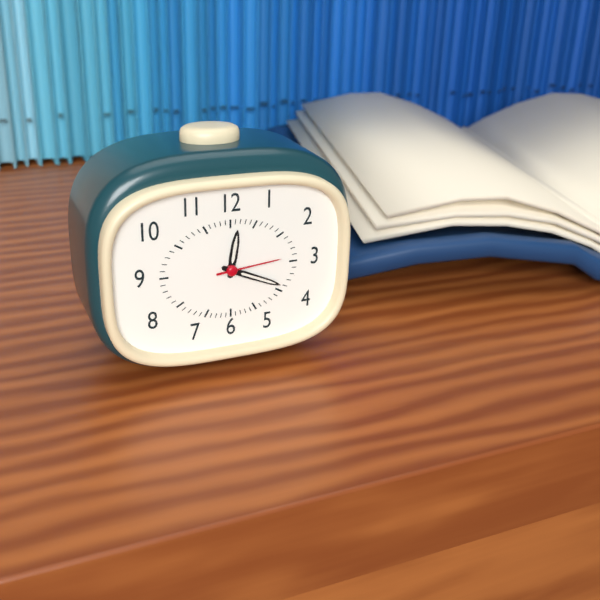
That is 12:19:14
